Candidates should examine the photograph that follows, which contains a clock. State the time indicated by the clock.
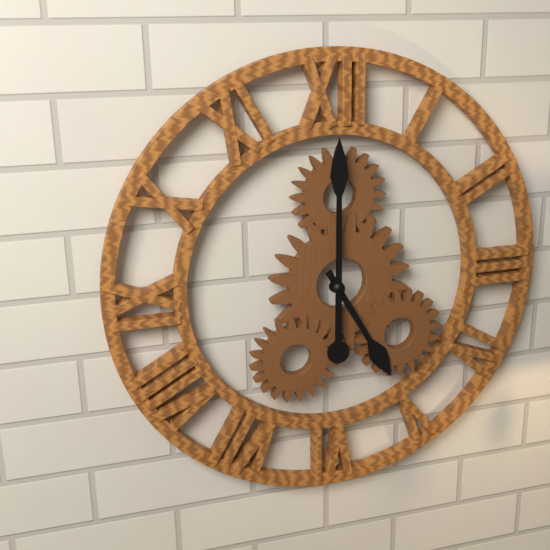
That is 5:00
